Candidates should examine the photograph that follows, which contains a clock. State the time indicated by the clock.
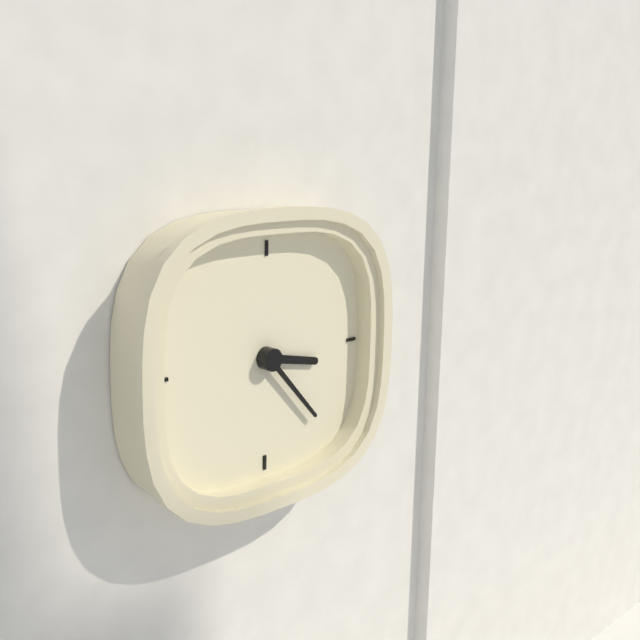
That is 3:23
